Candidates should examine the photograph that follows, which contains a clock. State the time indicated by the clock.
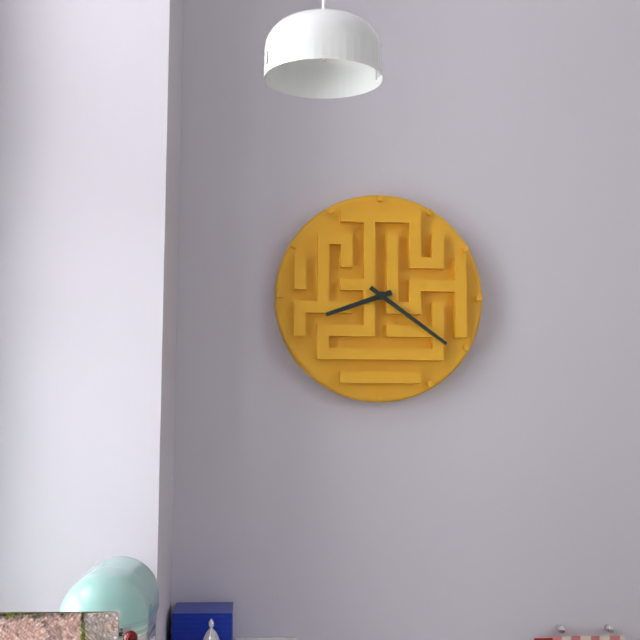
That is 8:21
